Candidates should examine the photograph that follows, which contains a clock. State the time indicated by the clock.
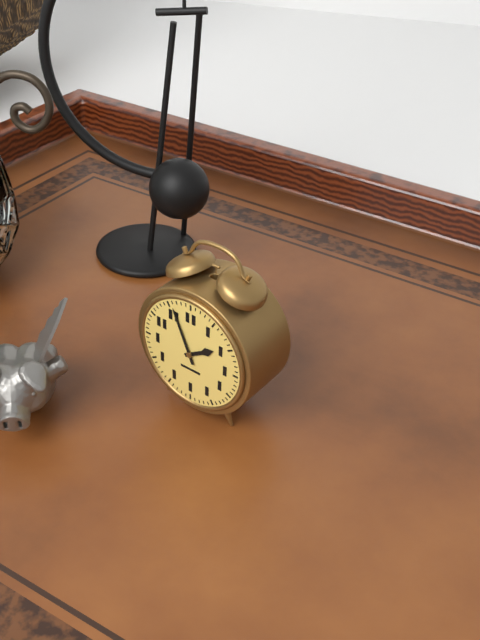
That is 1:56
